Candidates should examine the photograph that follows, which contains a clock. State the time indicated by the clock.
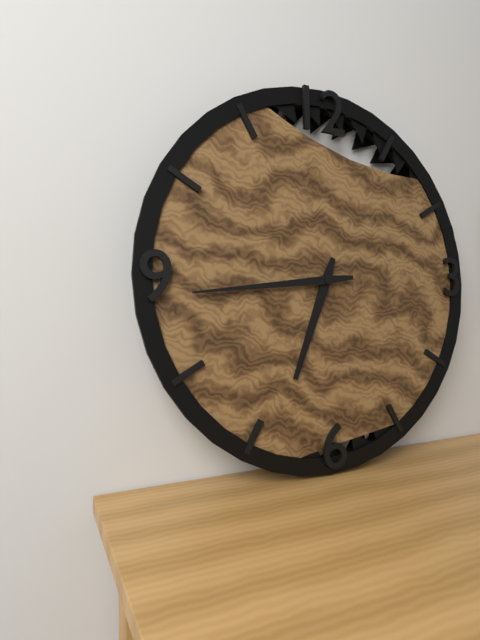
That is 6:44
